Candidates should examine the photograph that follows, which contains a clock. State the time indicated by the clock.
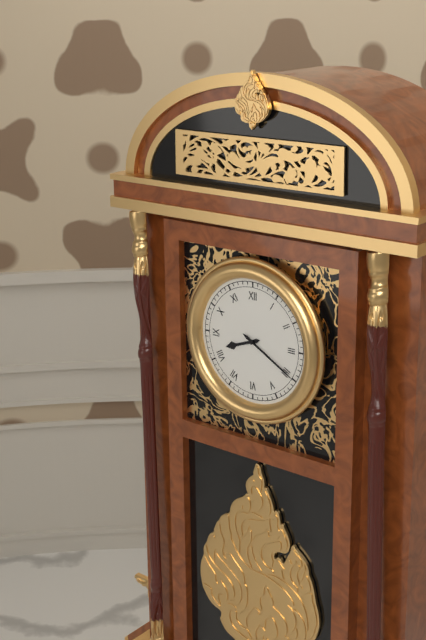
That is 8:20
